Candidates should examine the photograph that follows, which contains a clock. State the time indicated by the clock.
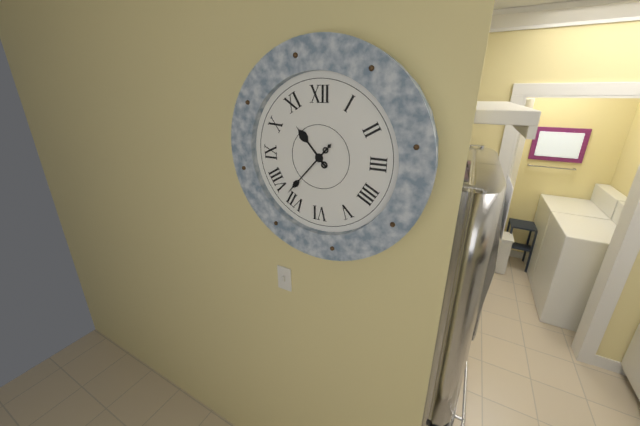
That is 10:37
